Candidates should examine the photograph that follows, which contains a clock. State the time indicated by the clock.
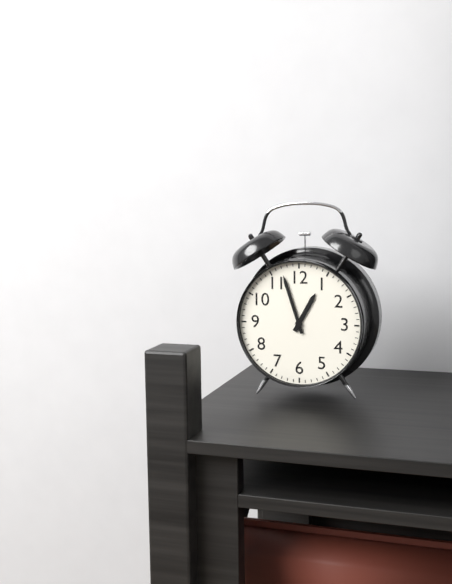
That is 12:57
